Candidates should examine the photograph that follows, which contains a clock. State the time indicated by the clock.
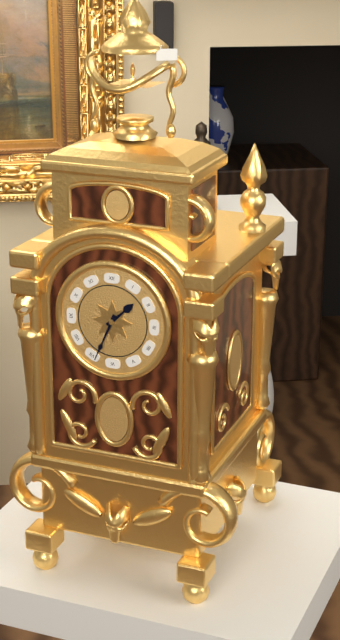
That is 1:34
